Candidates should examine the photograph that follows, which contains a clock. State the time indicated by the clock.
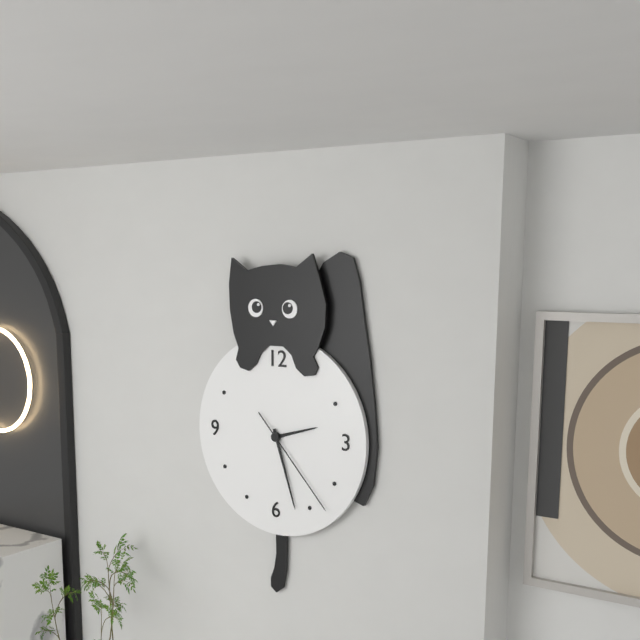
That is 2:27:23
